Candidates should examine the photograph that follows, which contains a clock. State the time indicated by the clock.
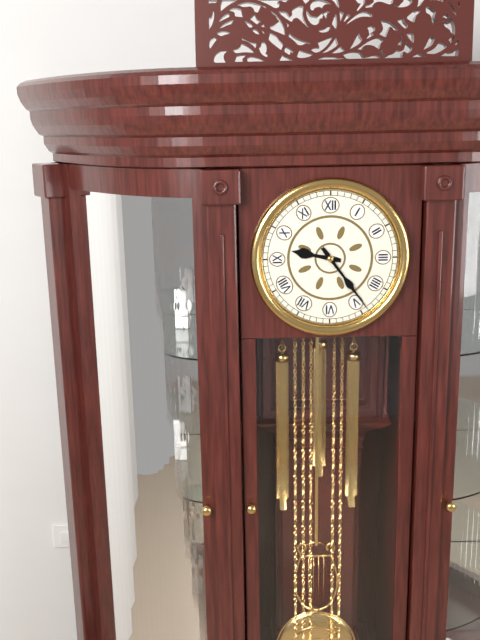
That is 9:24
